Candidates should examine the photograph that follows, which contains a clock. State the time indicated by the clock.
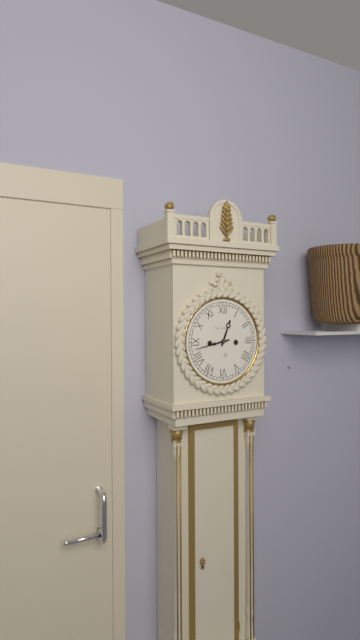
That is 12:43
